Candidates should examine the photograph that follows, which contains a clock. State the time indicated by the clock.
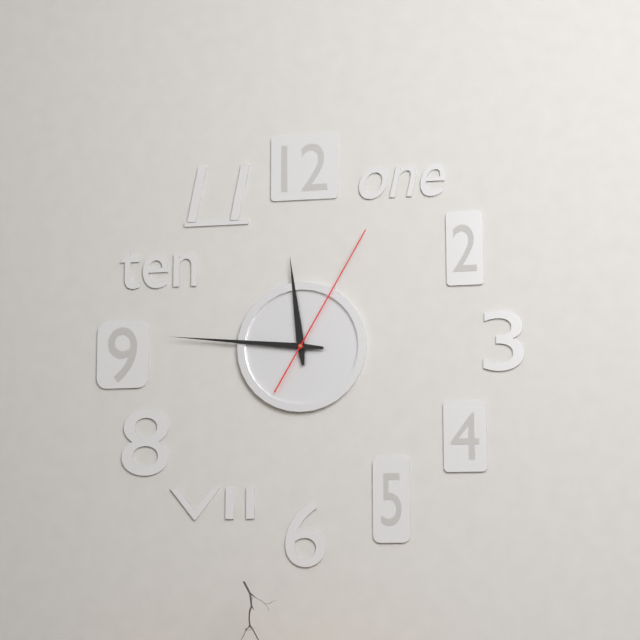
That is 11:46:05
